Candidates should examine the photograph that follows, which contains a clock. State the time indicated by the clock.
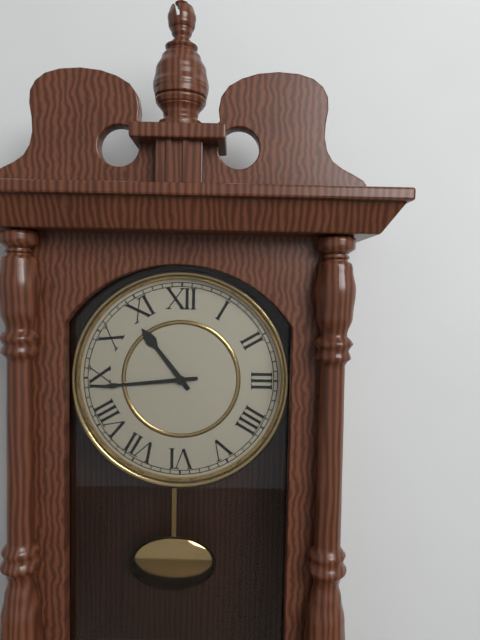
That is 10:44
